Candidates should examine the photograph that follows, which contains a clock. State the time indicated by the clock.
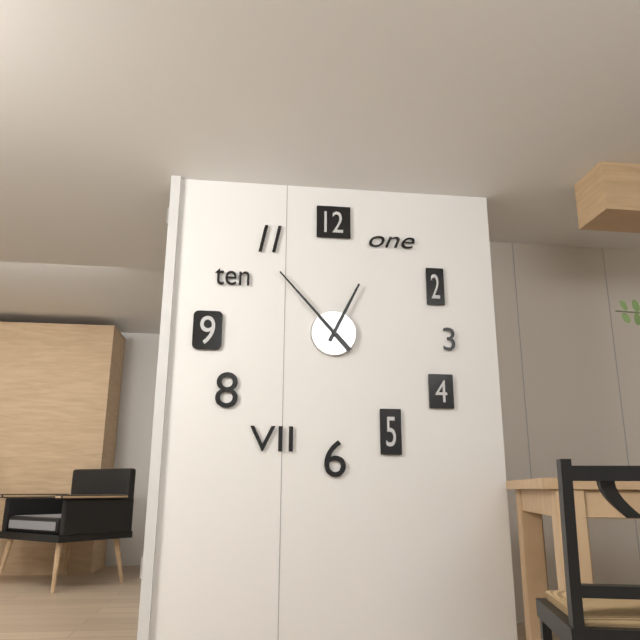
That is 12:53
